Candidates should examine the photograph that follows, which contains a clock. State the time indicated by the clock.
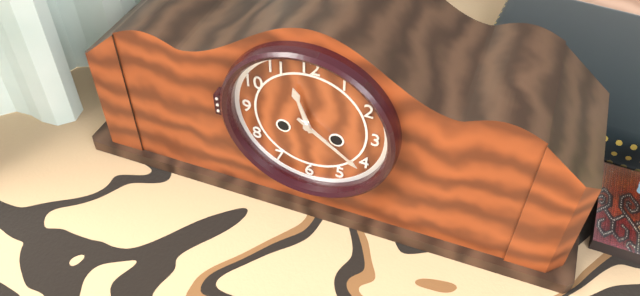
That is 11:21
